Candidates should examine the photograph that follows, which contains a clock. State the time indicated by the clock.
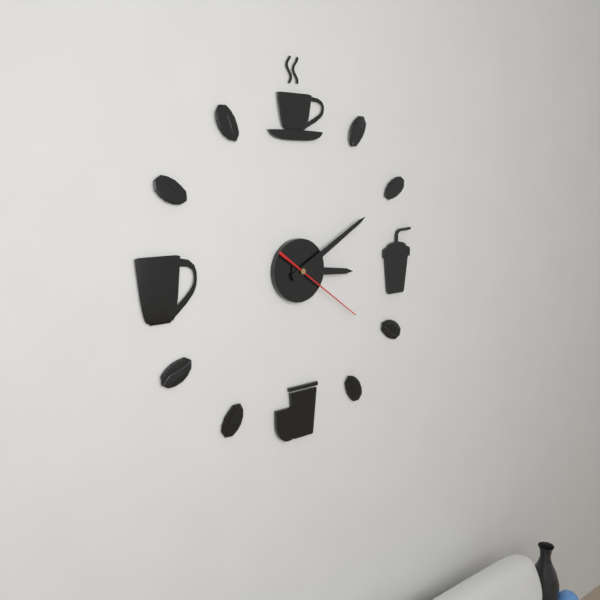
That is 3:10:21
